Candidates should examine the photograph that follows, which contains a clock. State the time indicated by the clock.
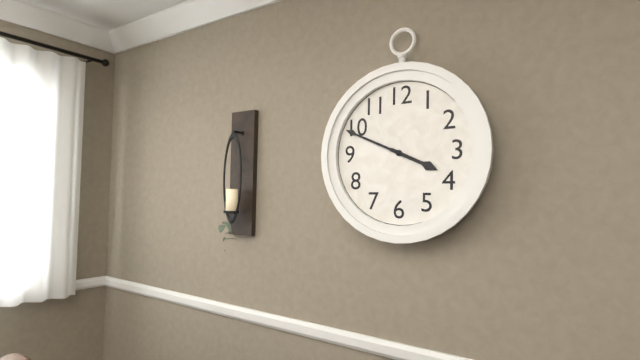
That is 3:49
